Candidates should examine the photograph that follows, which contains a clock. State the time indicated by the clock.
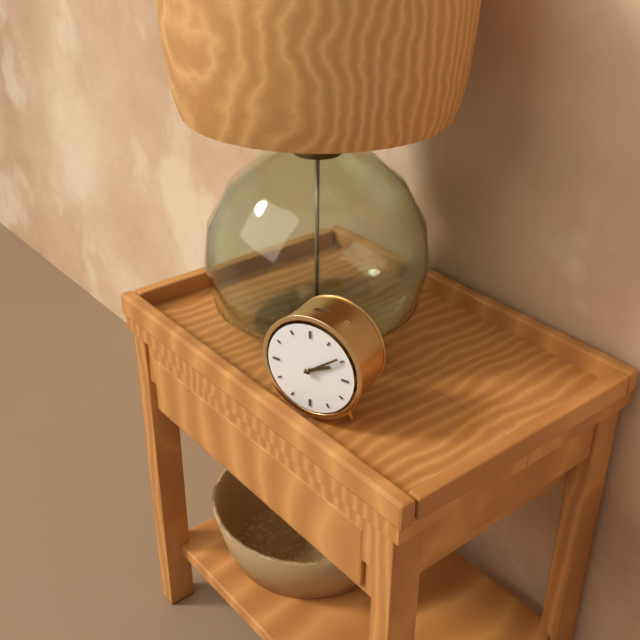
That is 2:09
